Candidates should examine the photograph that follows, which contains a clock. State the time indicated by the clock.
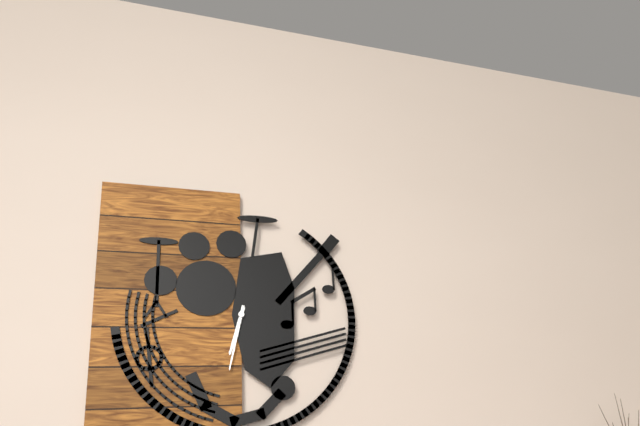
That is 6:32
